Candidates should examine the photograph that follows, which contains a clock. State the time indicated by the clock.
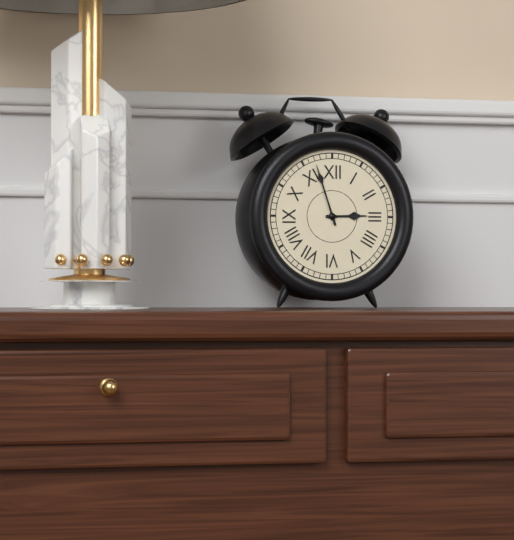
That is 2:57
